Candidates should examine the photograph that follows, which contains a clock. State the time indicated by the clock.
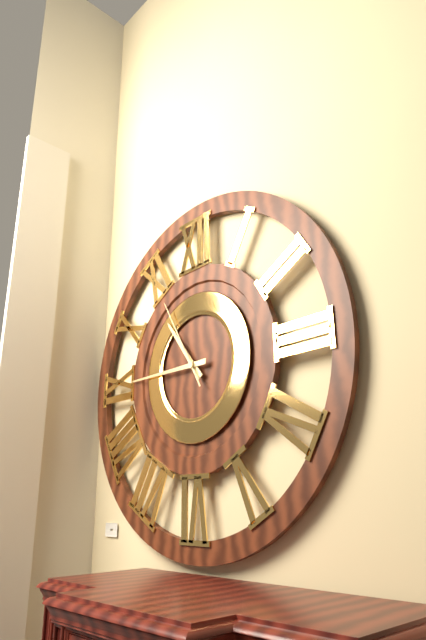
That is 10:45:55
